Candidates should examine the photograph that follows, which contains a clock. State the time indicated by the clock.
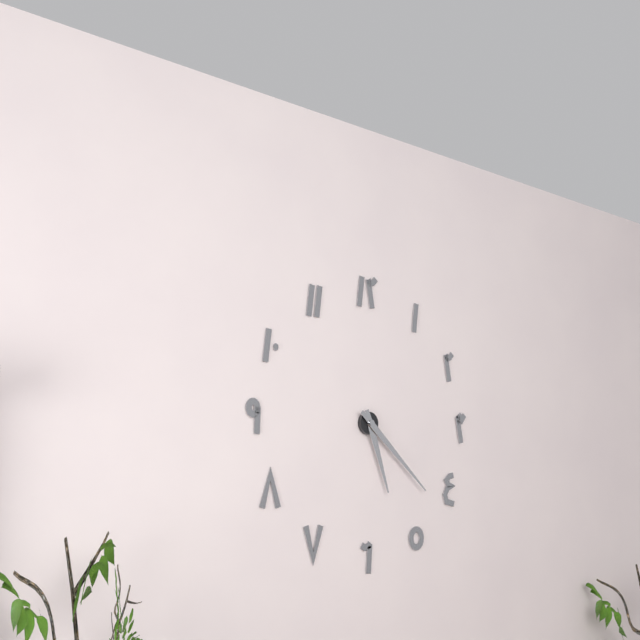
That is 5:22
